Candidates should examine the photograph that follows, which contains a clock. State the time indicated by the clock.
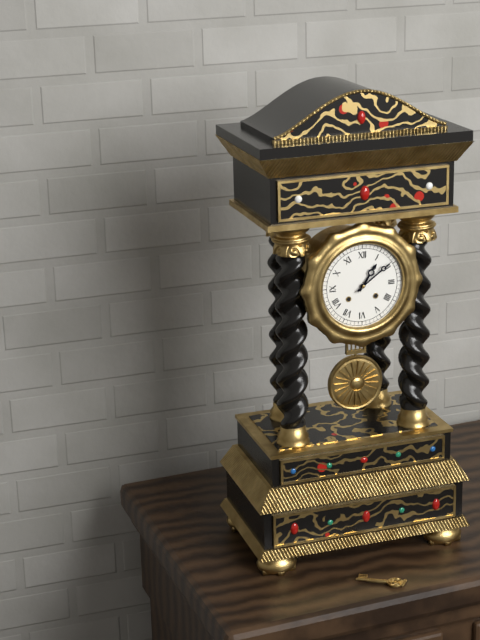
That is 1:09
